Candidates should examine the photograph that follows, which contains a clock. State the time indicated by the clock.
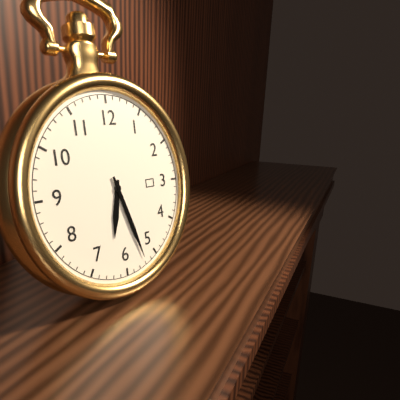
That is 6:27
